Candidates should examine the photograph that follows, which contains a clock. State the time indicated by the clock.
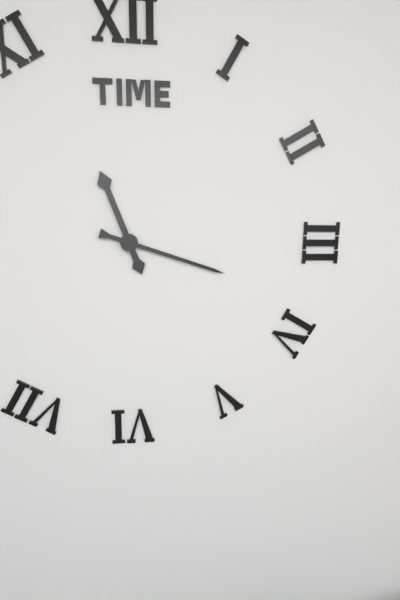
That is 11:18
